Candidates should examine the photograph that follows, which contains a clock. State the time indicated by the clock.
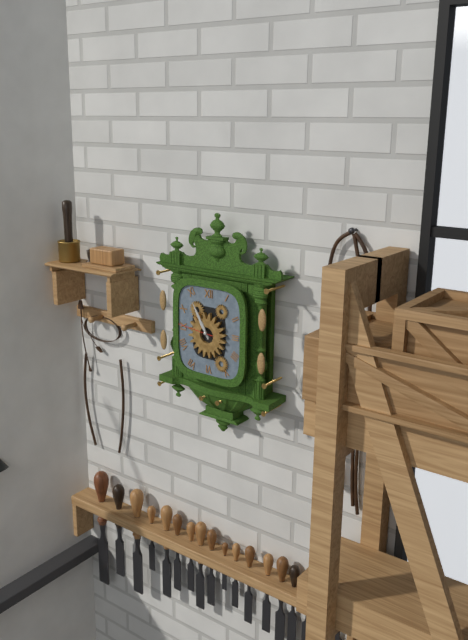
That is 10:55
